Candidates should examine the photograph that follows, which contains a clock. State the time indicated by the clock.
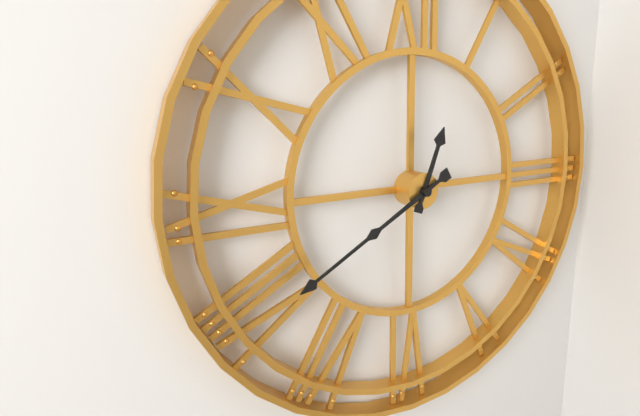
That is 12:40
